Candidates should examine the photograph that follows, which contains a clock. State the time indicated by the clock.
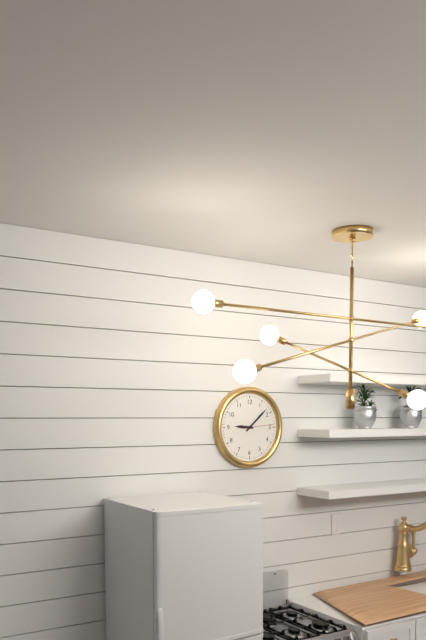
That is 9:08
